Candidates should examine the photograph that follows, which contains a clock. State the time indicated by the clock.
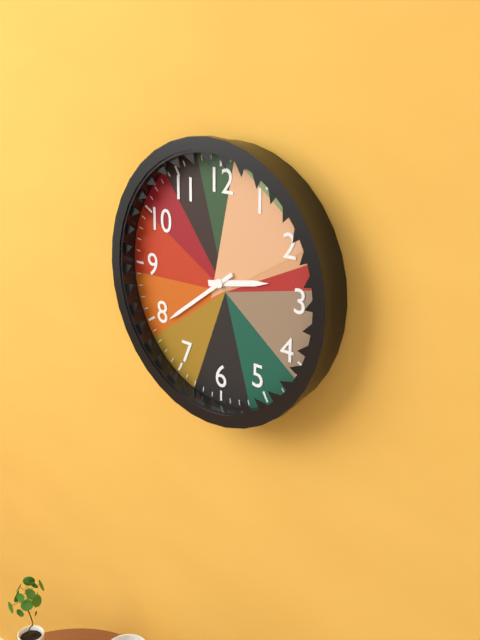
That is 2:39
